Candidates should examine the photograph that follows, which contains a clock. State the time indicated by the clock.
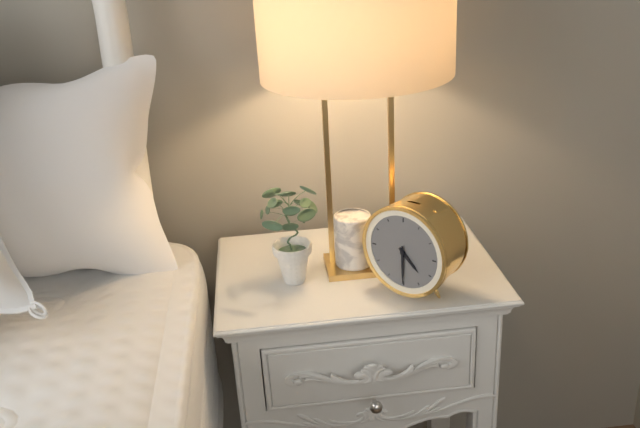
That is 4:30
